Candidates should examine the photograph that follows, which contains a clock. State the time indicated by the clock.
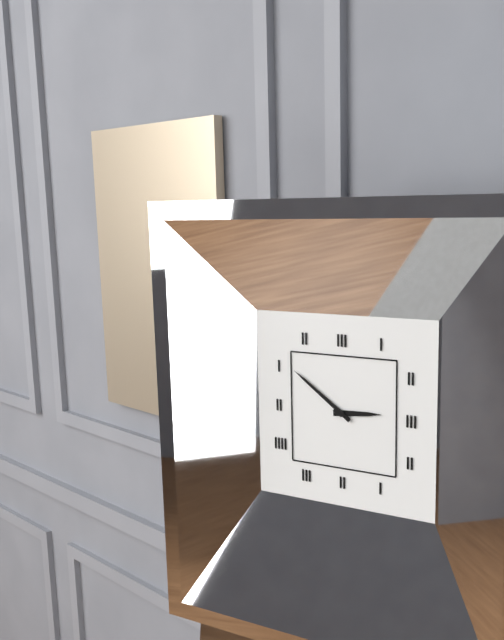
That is 2:51
